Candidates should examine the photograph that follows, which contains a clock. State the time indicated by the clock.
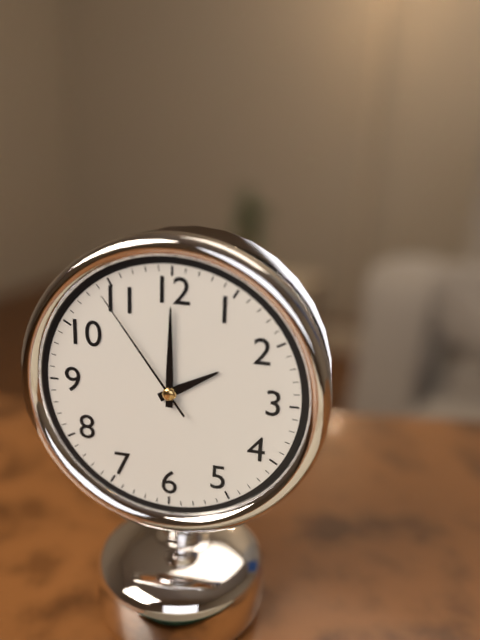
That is 2:00:54
